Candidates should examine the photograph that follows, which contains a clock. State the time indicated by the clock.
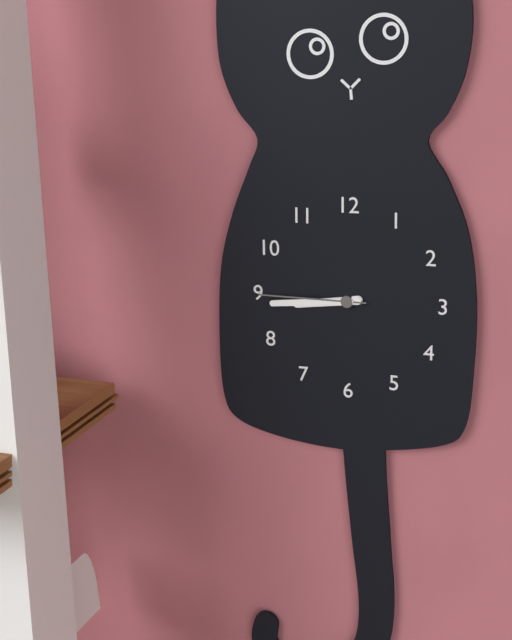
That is 8:44:45
